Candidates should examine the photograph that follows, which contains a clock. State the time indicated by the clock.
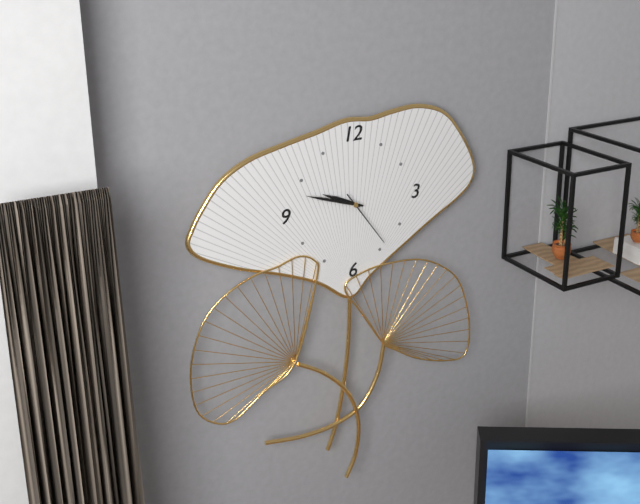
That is 9:48:24
